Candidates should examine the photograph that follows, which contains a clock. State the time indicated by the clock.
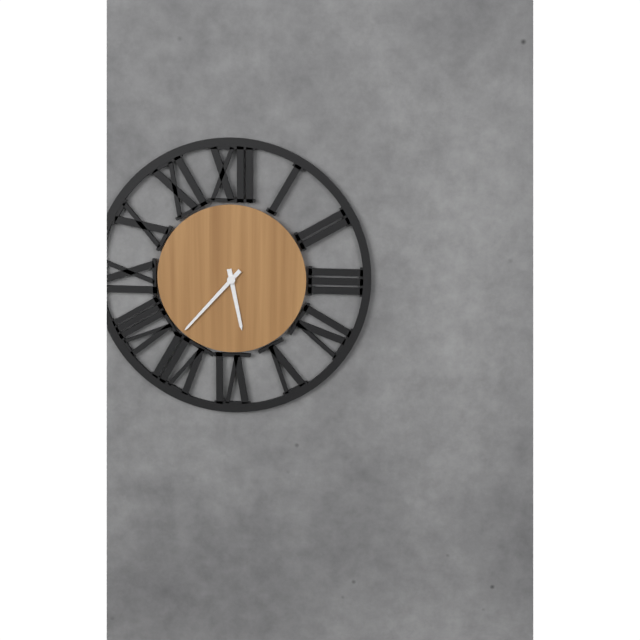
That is 5:37
